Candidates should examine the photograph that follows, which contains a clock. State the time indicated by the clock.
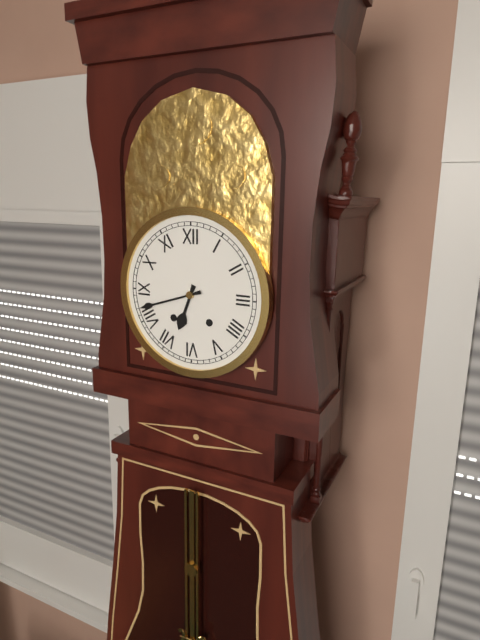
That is 6:42
